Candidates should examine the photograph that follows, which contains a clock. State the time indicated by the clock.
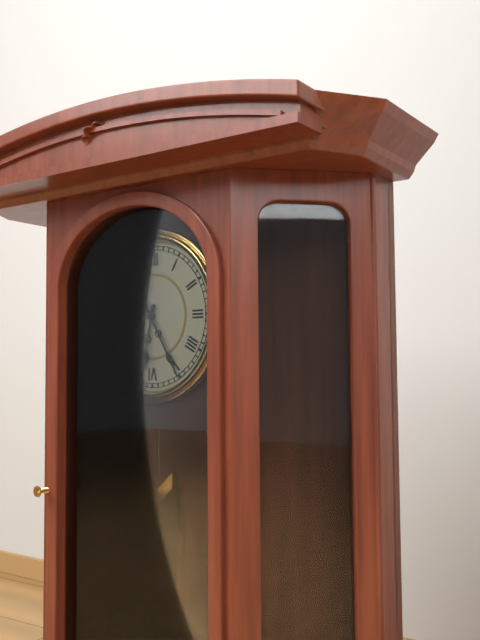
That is 6:25
